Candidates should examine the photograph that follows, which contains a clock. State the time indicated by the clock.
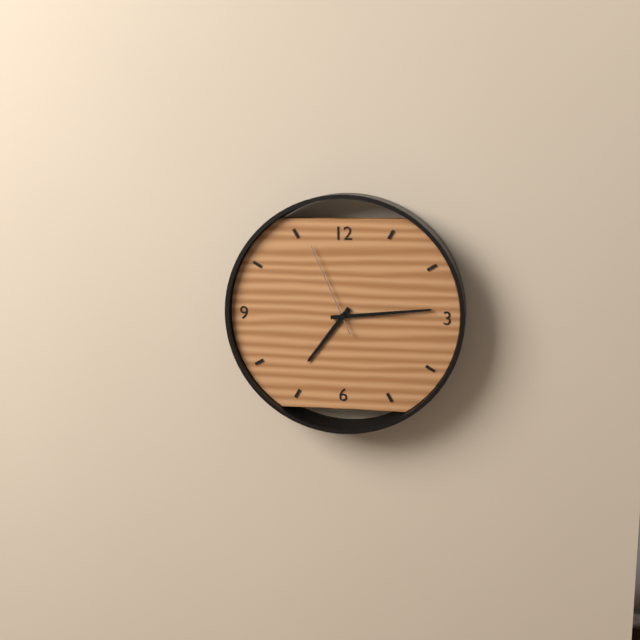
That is 7:14:56
